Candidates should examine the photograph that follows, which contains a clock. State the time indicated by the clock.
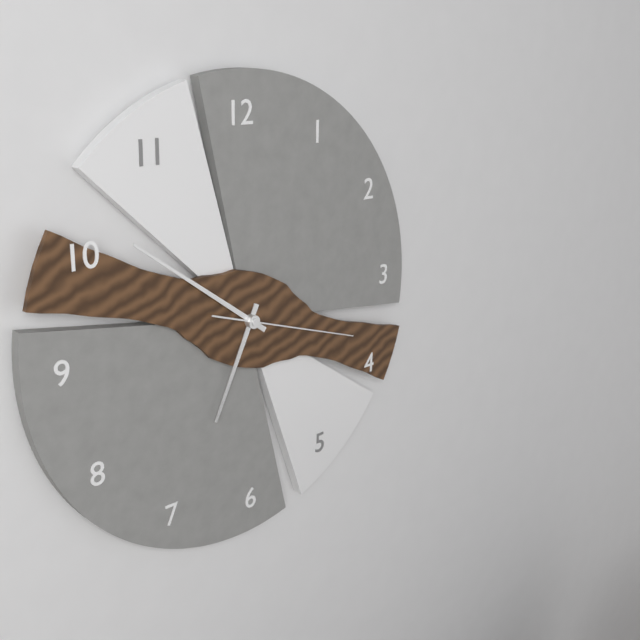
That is 6:51:18
